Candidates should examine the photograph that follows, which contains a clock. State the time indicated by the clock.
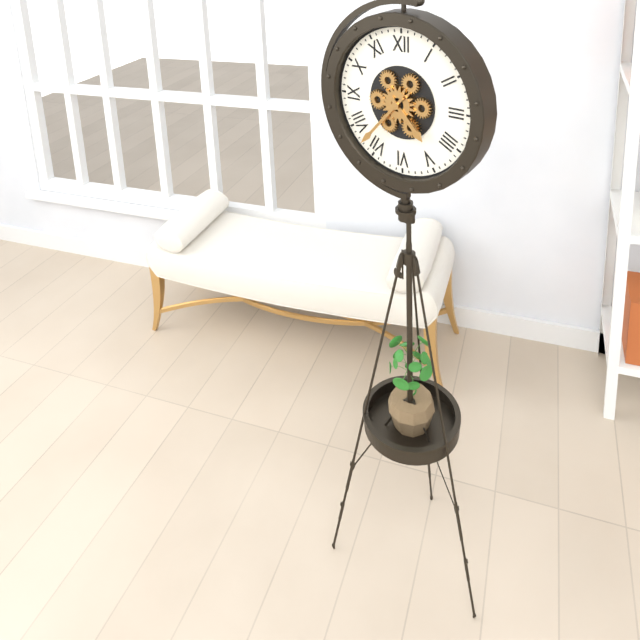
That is 4:37
